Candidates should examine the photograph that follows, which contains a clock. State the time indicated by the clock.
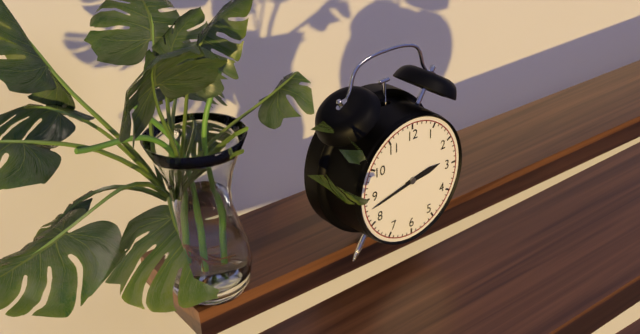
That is 2:43
